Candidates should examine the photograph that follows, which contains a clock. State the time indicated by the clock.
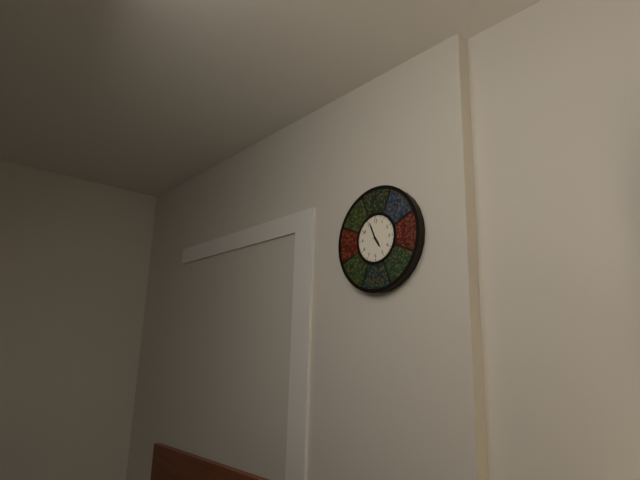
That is 4:56
